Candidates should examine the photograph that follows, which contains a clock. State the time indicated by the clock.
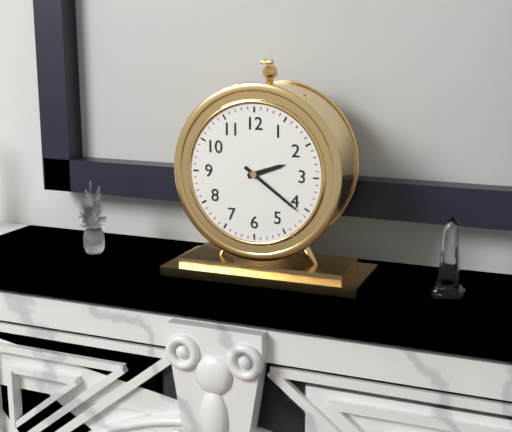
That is 2:21
